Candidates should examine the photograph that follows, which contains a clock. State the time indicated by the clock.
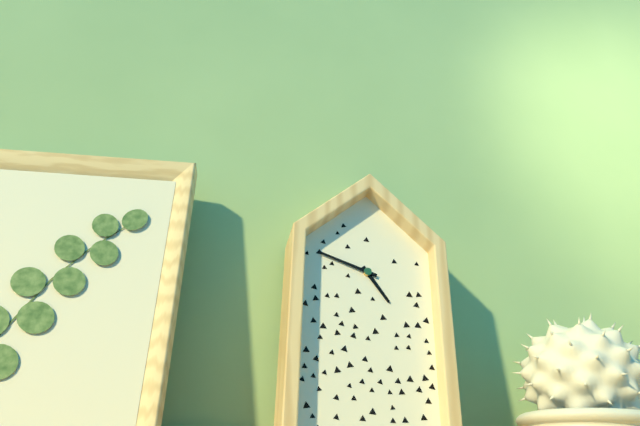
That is 4:48
